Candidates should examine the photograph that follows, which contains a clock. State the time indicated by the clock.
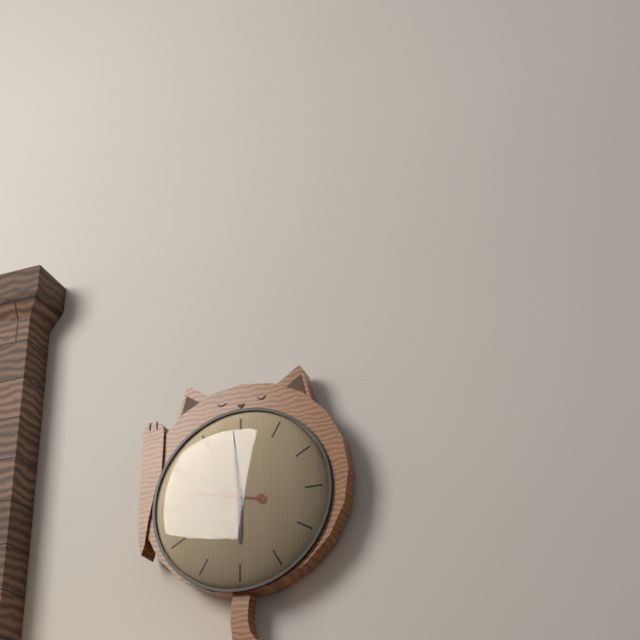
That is 5:59:47
